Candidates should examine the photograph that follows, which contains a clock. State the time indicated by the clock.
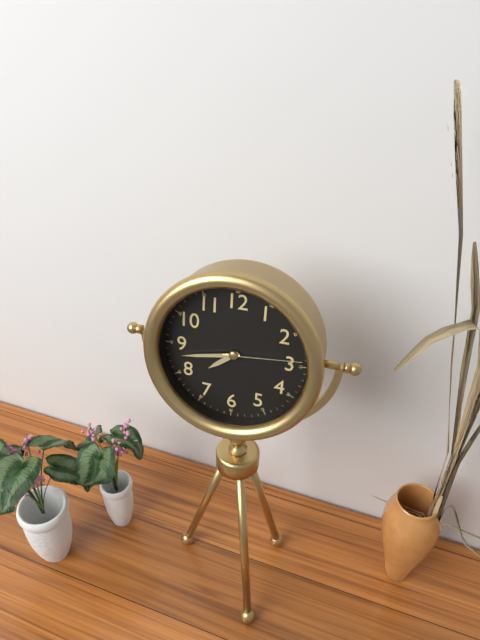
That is 7:43:14
